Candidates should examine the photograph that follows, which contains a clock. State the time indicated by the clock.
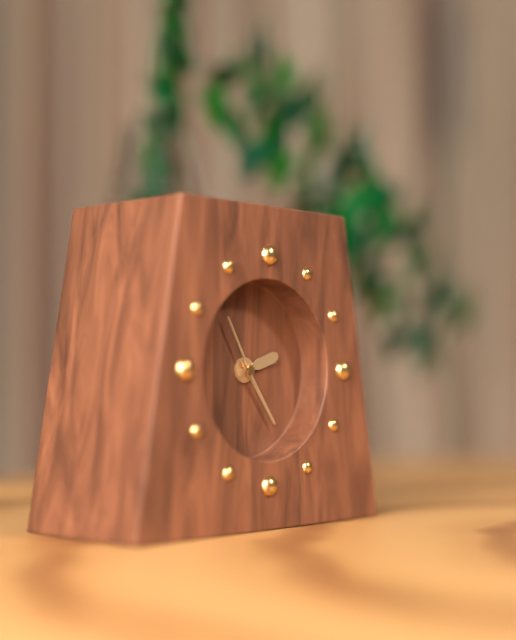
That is 2:24:55
